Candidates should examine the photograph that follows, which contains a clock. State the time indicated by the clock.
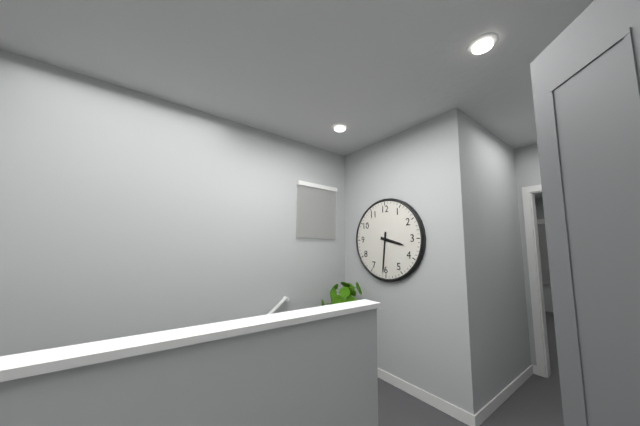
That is 3:31
